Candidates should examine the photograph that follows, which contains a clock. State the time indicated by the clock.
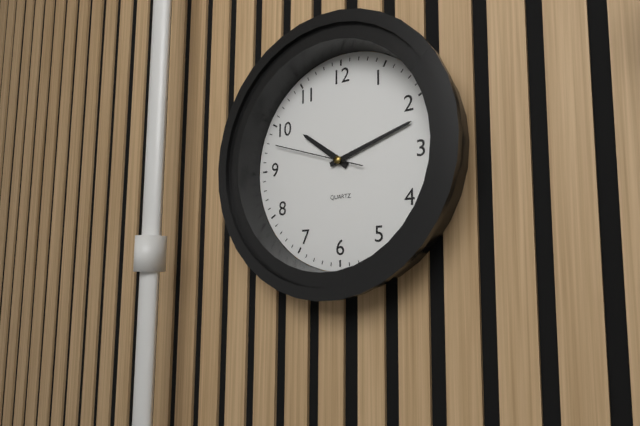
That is 10:12:48
